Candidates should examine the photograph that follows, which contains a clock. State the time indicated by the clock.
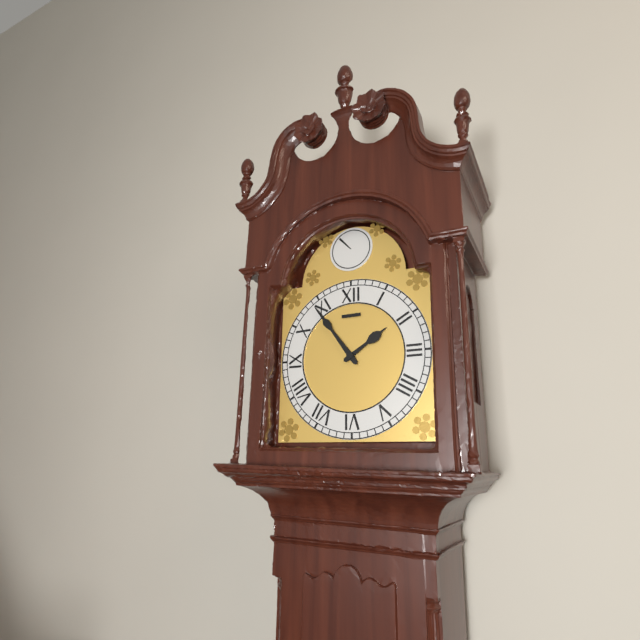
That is 1:54
